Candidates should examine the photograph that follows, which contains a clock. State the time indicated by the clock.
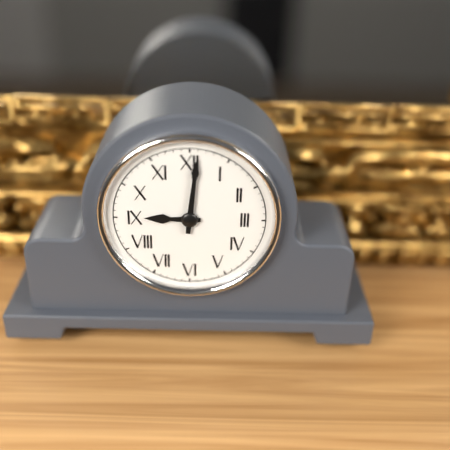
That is 9:01
